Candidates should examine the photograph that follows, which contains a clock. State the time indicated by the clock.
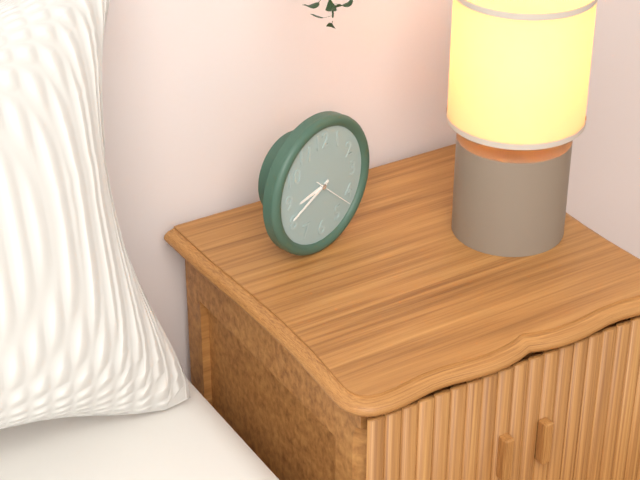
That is 8:41
